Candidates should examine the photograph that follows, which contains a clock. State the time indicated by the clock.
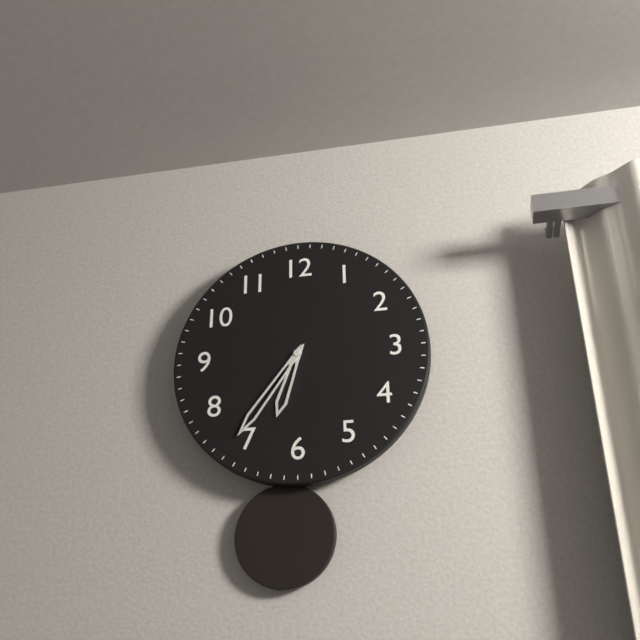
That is 6:36
